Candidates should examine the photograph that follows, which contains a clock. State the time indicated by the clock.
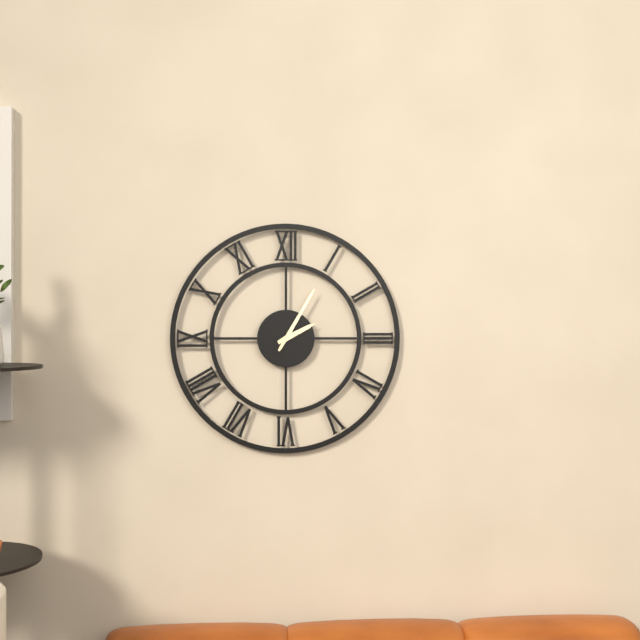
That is 2:05
